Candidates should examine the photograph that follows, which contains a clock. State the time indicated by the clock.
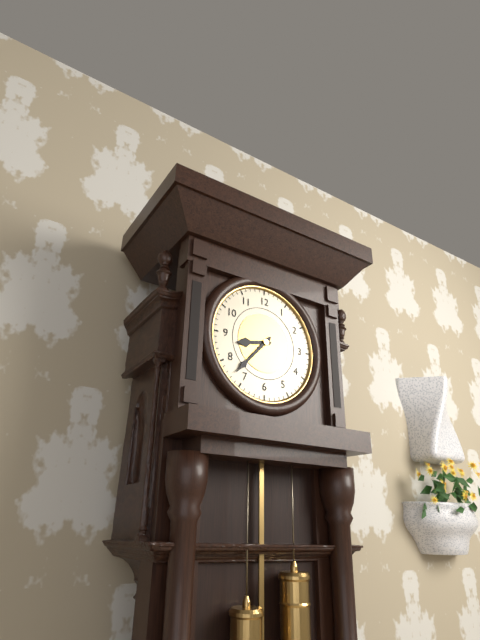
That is 8:37
